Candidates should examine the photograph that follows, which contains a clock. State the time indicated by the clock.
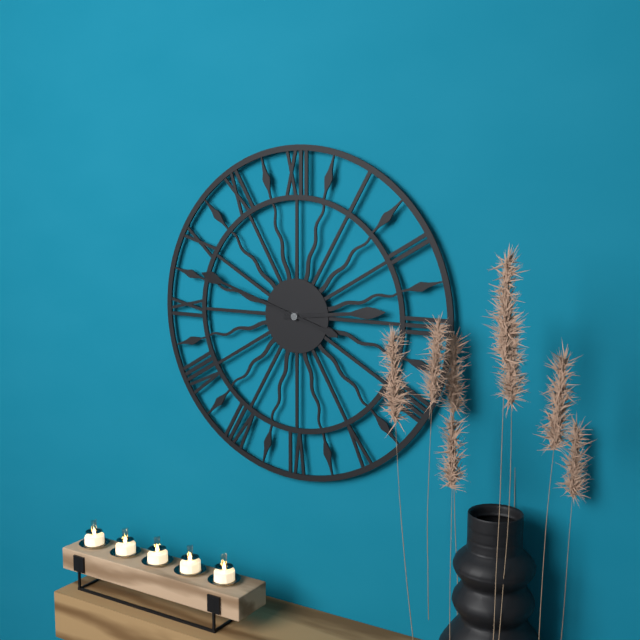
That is 2:48
